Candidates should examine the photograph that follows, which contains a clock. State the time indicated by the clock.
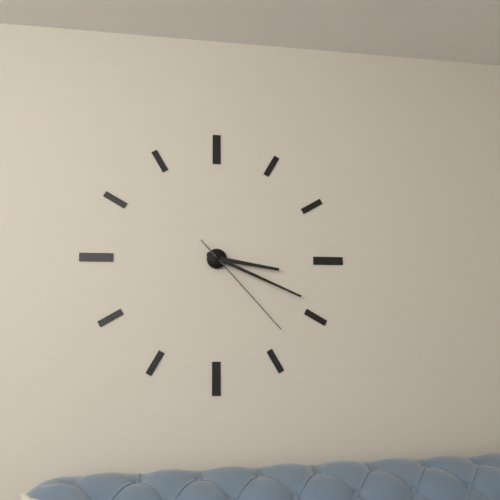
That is 3:19:23
